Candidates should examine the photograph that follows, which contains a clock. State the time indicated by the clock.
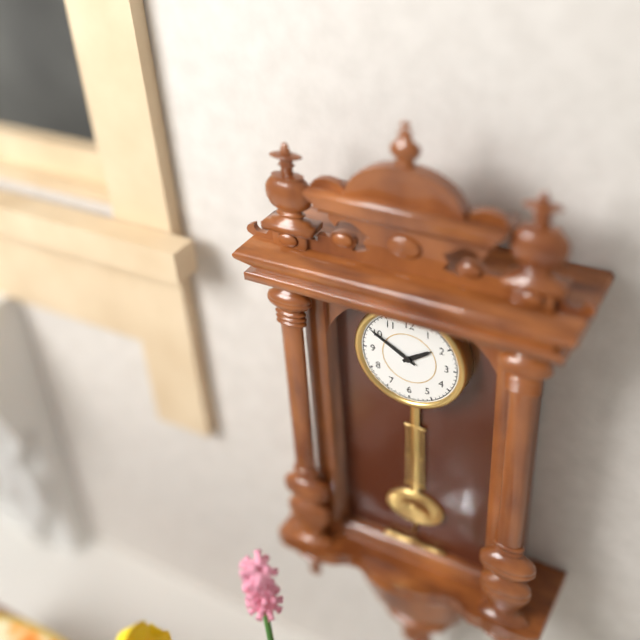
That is 1:50
